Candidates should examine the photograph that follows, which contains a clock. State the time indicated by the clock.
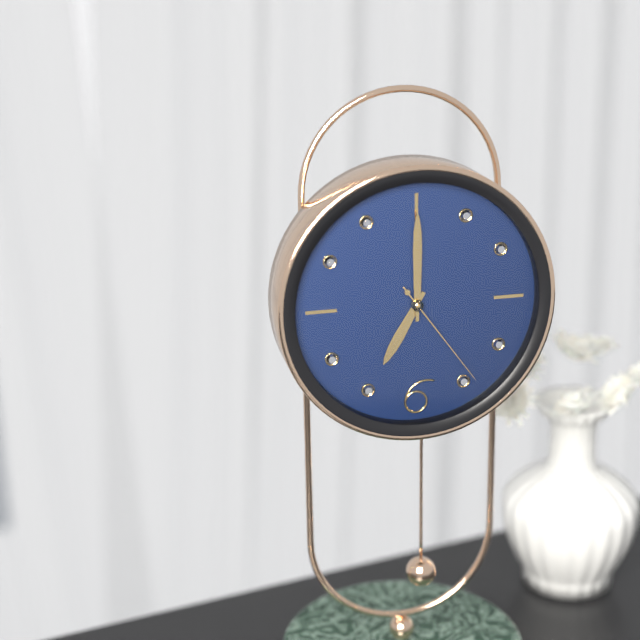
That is 7:00:24
